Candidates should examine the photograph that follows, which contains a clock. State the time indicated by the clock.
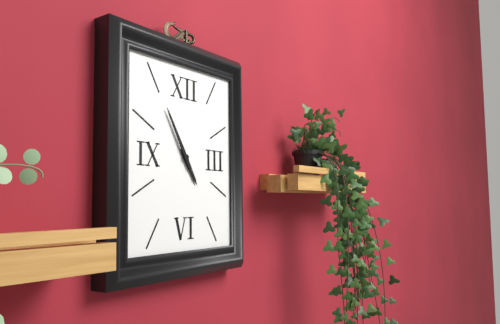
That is 4:55
